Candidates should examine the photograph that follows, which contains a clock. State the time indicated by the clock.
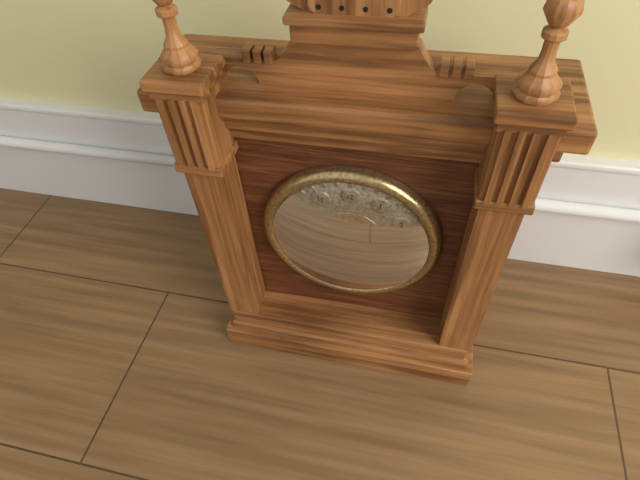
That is 7:23
